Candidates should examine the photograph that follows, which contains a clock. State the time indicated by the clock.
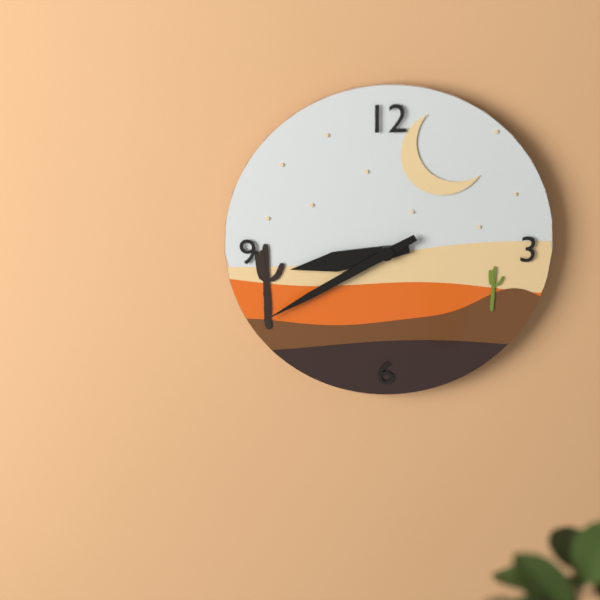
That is 8:40
